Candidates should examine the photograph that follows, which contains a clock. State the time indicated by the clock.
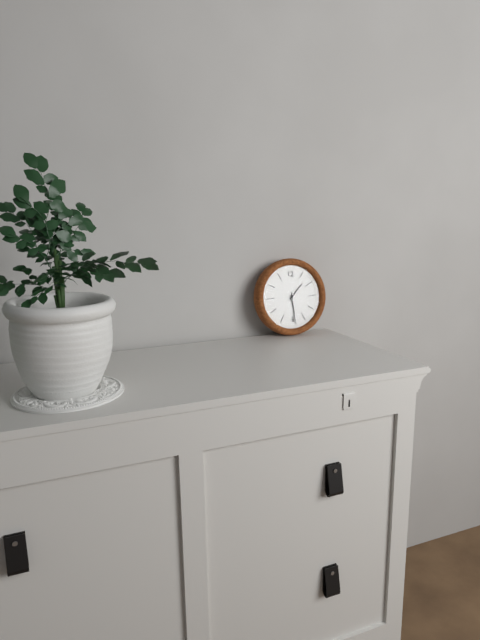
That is 1:29
